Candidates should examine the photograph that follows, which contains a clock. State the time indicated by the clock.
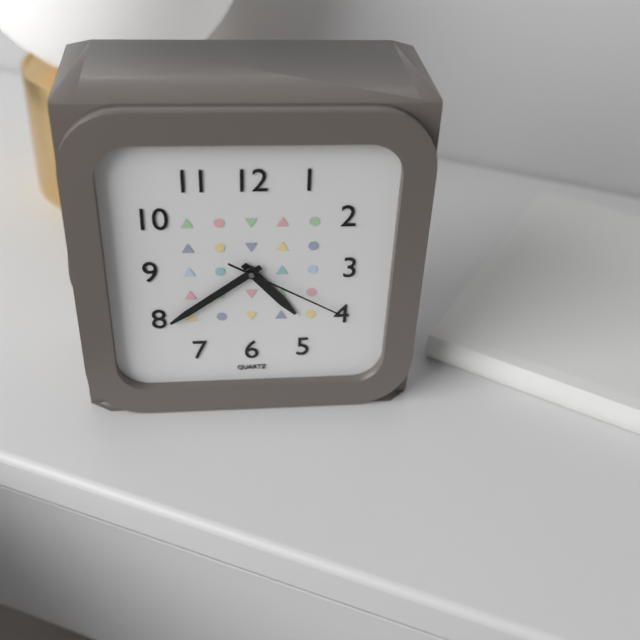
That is 4:39:20
